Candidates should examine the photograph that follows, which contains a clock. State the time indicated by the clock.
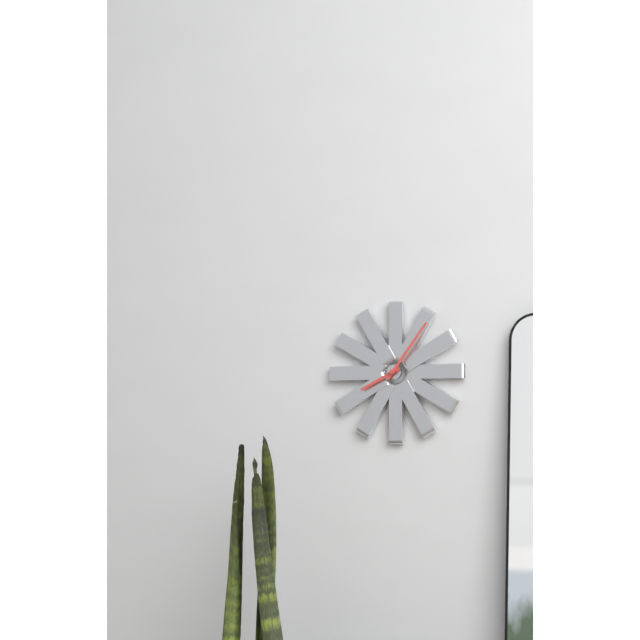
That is 8:06
